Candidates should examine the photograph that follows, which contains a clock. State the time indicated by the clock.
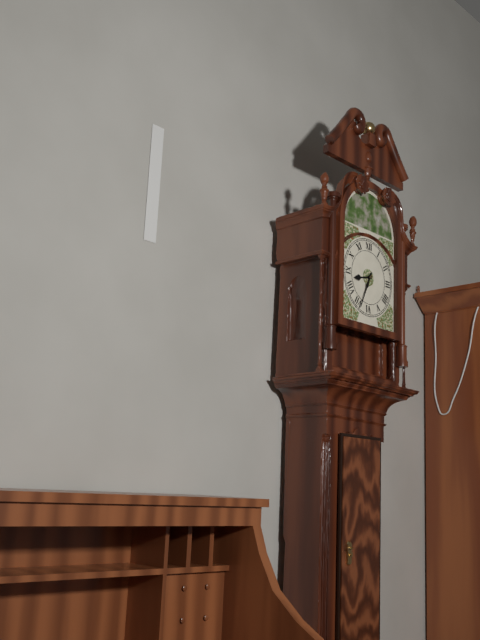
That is 8:34
